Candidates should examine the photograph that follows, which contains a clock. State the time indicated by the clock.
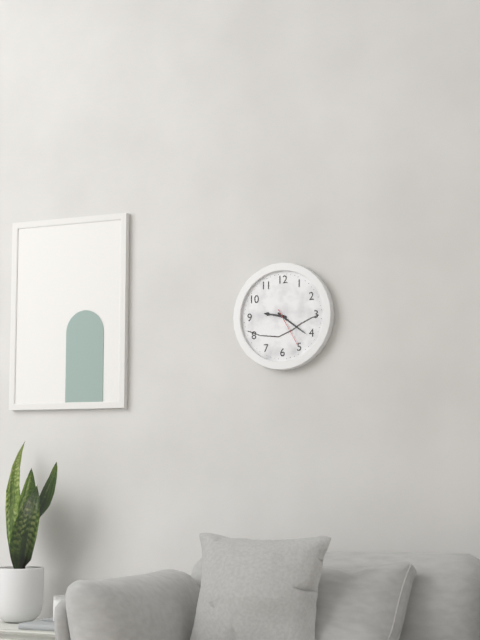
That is 9:21
